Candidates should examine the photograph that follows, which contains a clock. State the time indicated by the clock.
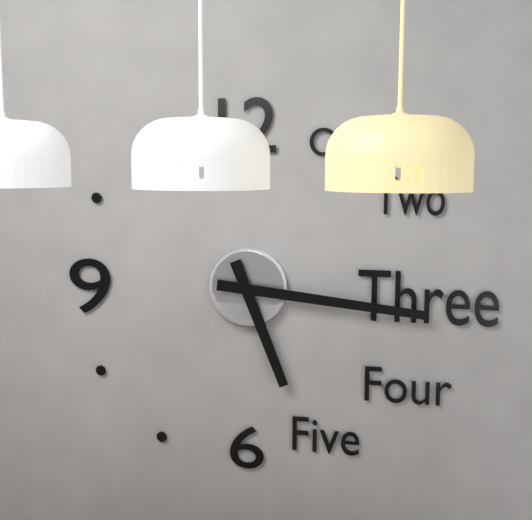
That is 5:16
